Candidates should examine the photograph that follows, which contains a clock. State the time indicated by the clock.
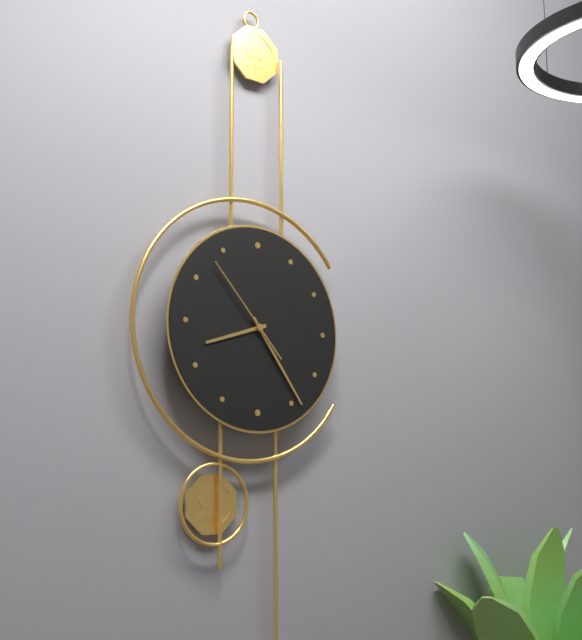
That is 8:24:53
